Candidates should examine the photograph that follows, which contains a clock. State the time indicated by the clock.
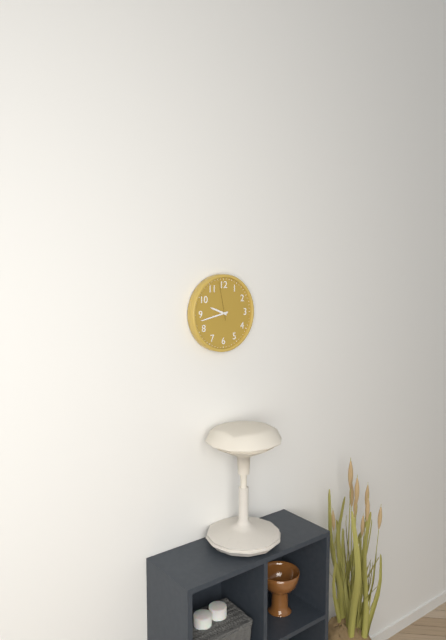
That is 9:43
